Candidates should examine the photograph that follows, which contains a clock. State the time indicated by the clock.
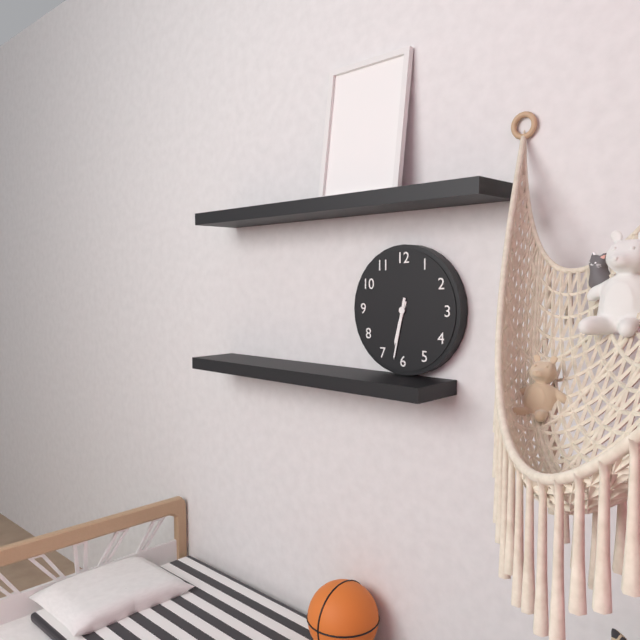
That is 6:32
